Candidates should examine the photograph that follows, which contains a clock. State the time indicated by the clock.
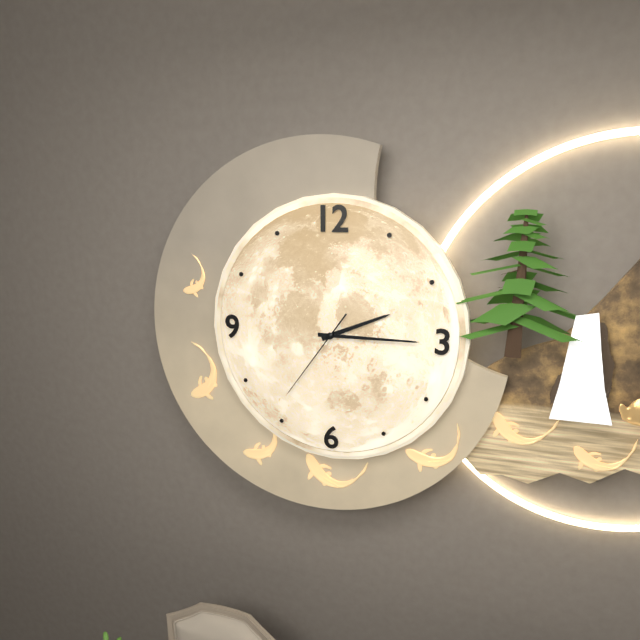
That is 2:15:36
